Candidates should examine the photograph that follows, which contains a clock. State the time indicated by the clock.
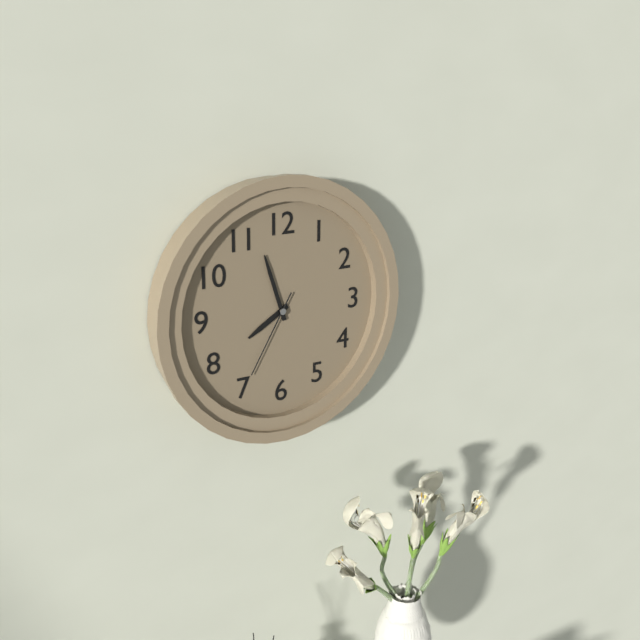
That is 7:57:35
